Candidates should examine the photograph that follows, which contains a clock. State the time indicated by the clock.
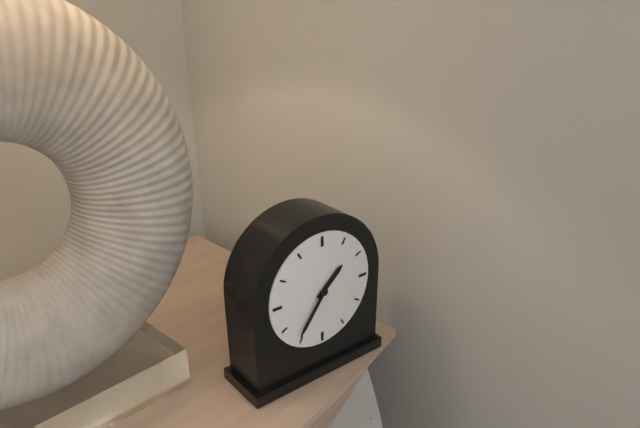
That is 1:36
